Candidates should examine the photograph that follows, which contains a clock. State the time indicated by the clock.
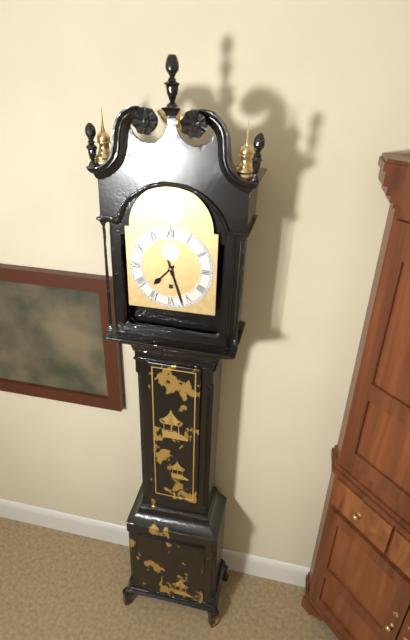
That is 7:27
